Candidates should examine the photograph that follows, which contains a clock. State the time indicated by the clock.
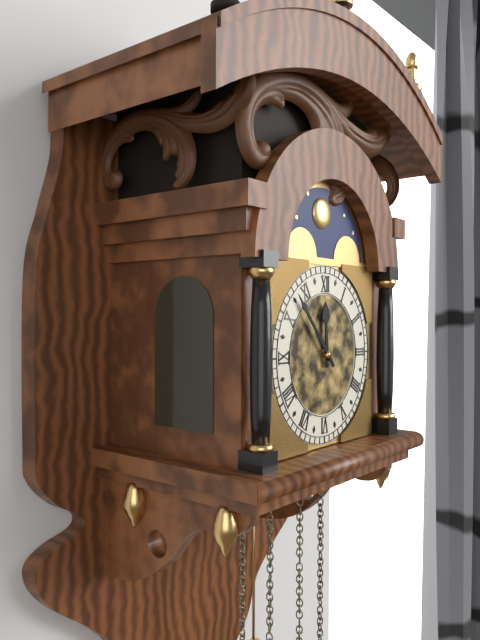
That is 11:53
